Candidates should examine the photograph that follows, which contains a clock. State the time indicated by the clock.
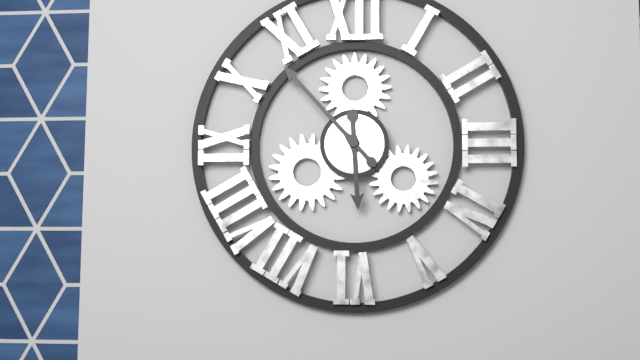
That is 5:53
